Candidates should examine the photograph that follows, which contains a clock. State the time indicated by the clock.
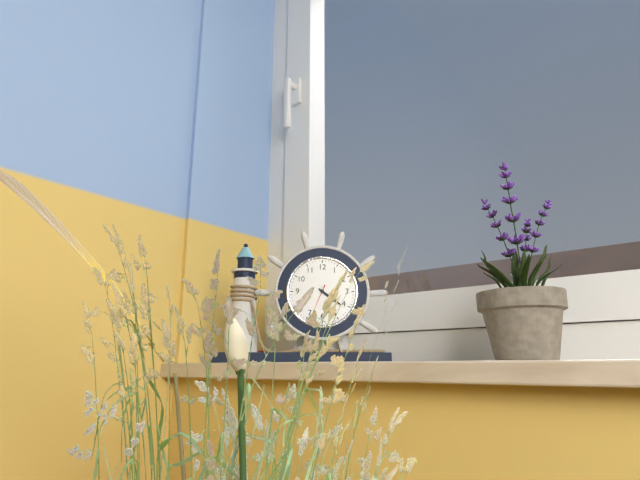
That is 4:21
